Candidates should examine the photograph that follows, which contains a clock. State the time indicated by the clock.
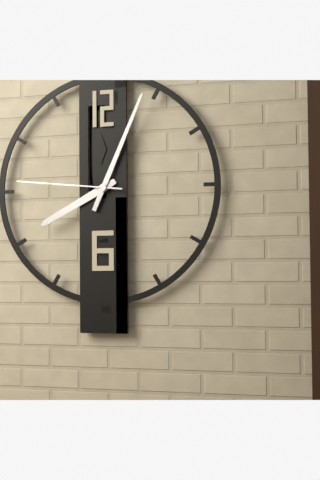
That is 8:04:46
